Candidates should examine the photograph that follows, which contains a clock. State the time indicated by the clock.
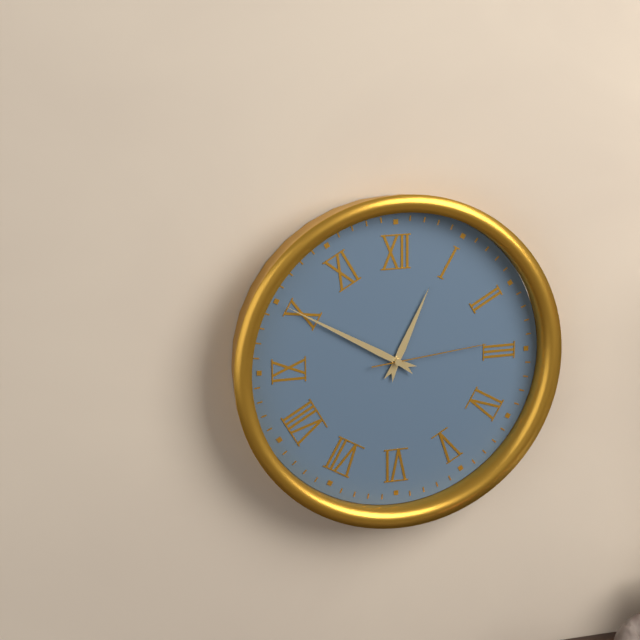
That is 12:50:14
